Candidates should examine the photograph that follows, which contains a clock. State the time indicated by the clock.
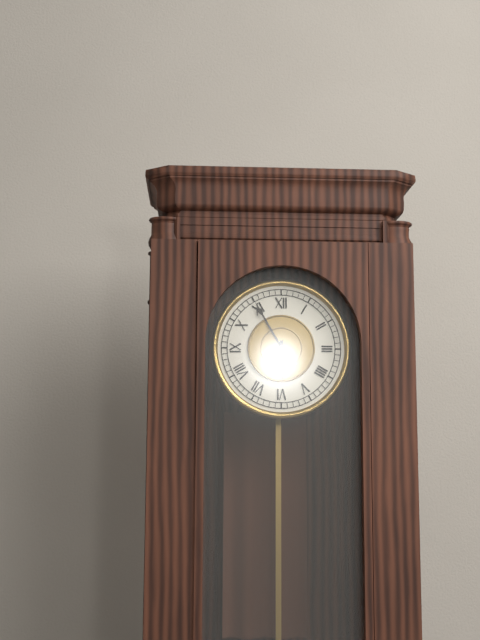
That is 5:55
